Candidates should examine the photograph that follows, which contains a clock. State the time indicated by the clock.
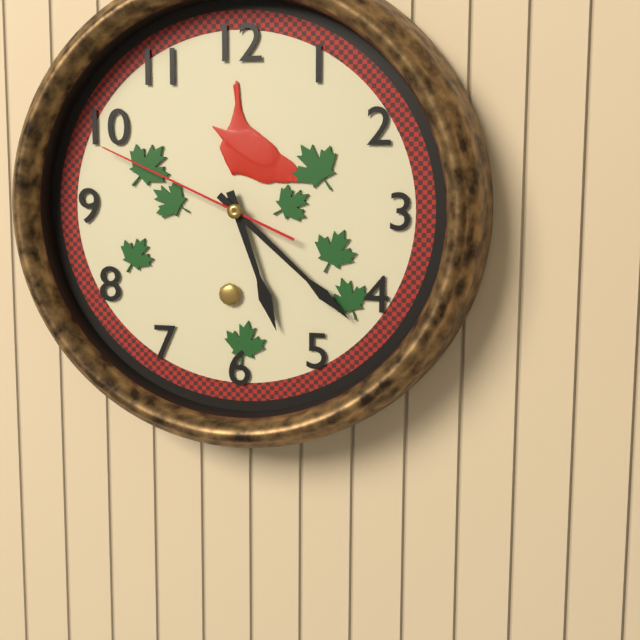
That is 5:22:49
